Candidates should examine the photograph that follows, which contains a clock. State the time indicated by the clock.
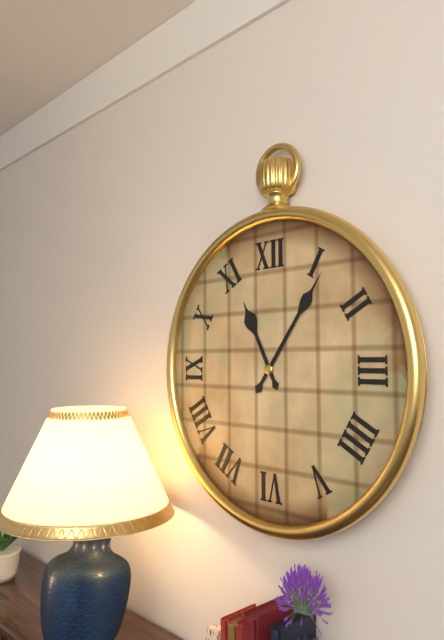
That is 11:06
